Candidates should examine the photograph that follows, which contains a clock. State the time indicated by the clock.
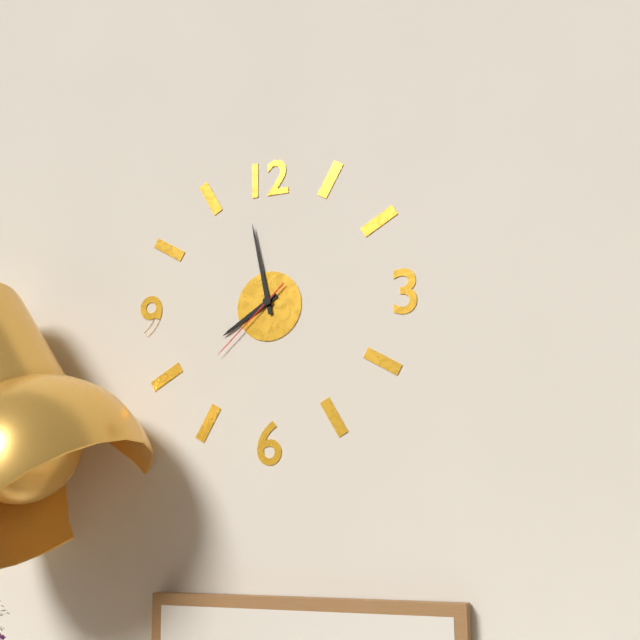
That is 7:58:38
